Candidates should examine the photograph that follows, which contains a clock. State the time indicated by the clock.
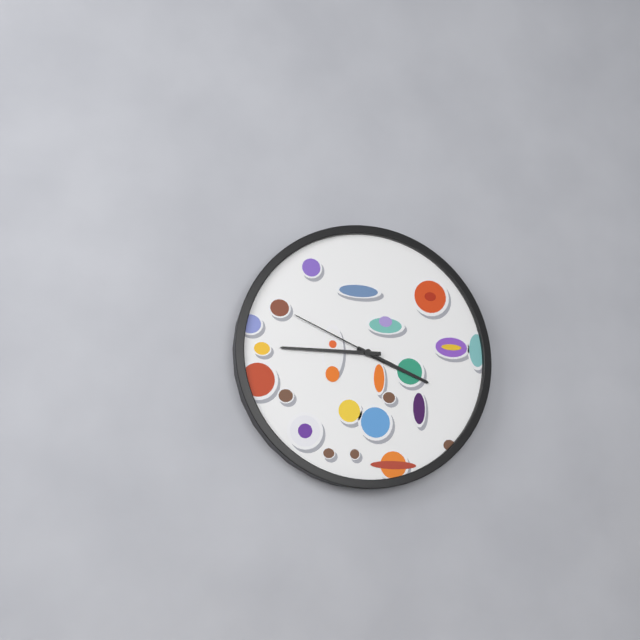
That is 3:45:49
